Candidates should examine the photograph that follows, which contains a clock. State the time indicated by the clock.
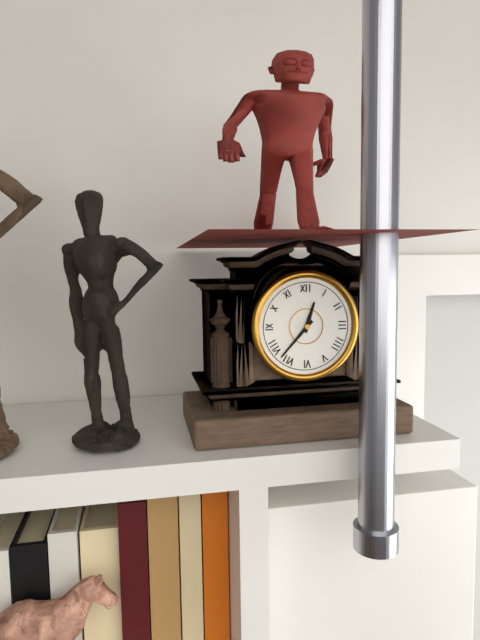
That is 12:37
